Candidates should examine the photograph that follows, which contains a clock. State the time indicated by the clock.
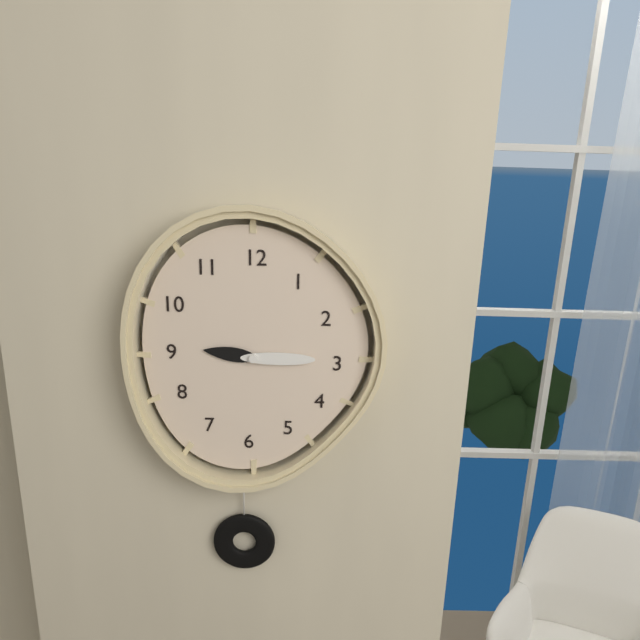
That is 9:15
